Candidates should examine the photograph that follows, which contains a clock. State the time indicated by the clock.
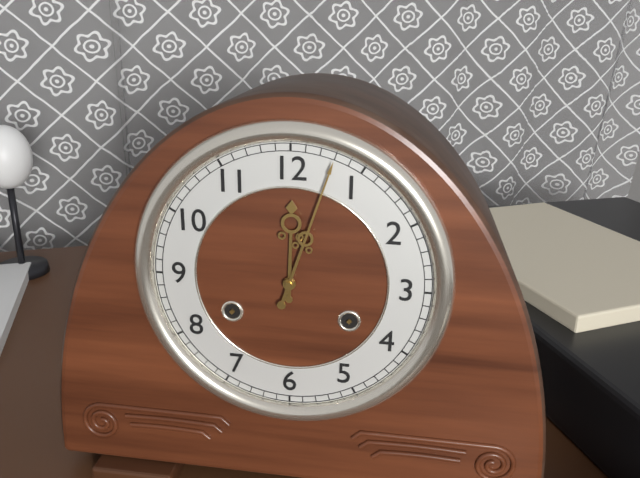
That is 12:03
